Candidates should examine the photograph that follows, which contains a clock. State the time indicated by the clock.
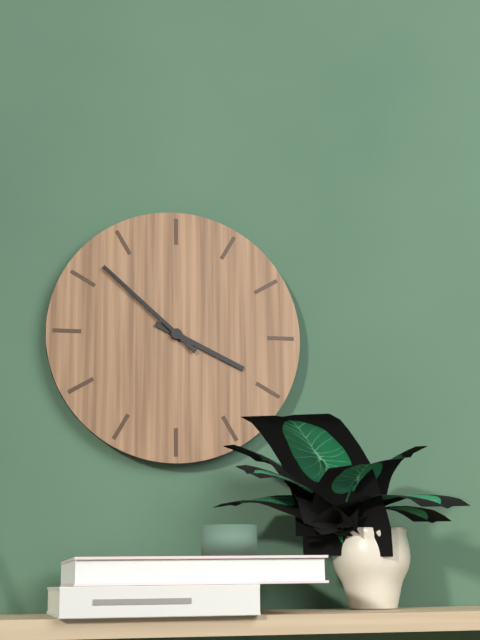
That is 3:52
